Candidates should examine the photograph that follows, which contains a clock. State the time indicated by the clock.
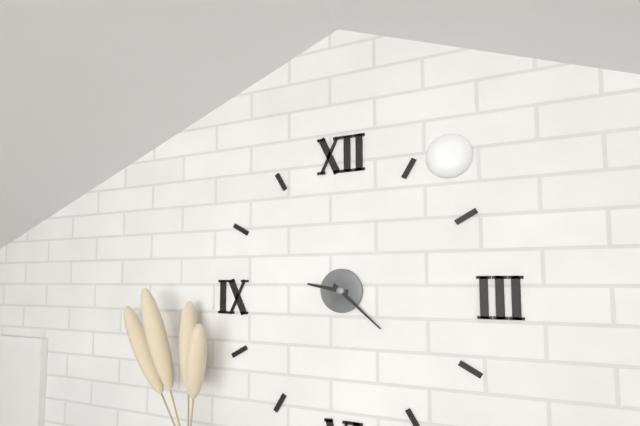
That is 9:22
